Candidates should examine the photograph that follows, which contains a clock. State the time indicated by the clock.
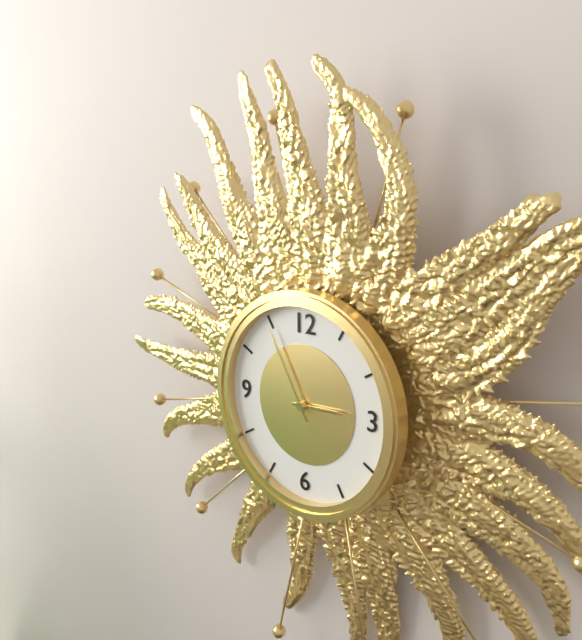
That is 2:55
